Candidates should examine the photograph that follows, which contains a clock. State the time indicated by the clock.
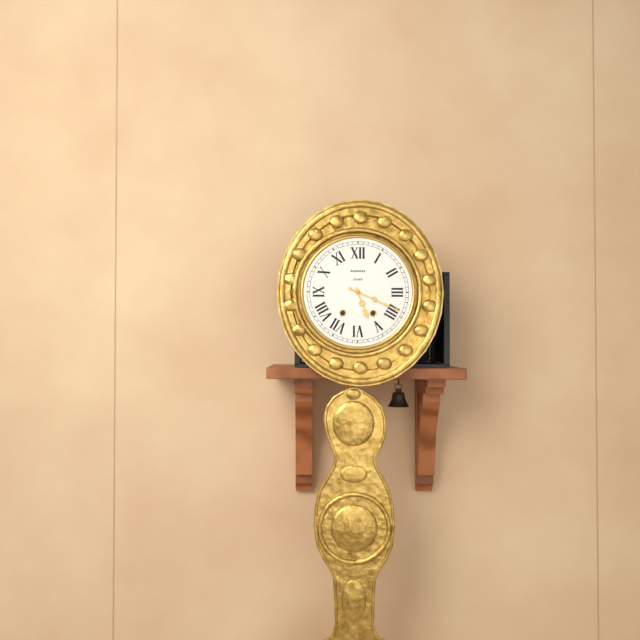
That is 5:19
